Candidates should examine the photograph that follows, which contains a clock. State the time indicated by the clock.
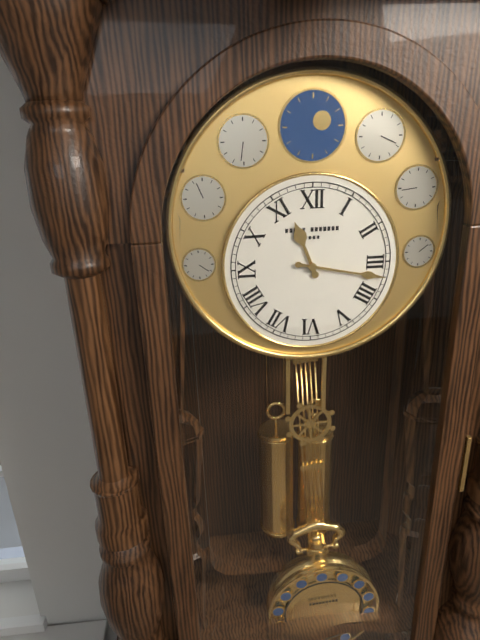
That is 11:17
